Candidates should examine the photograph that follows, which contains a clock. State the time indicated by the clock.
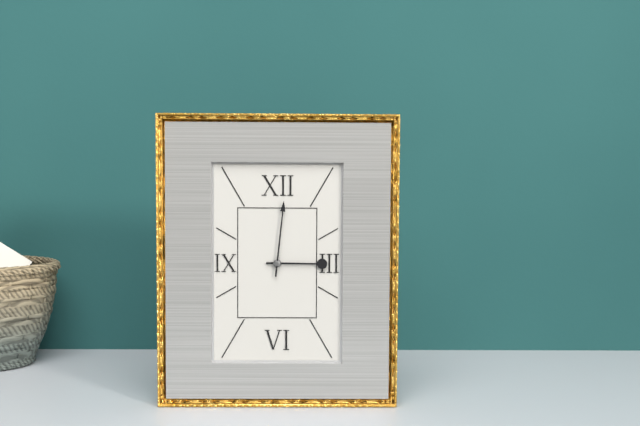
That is 3:01
